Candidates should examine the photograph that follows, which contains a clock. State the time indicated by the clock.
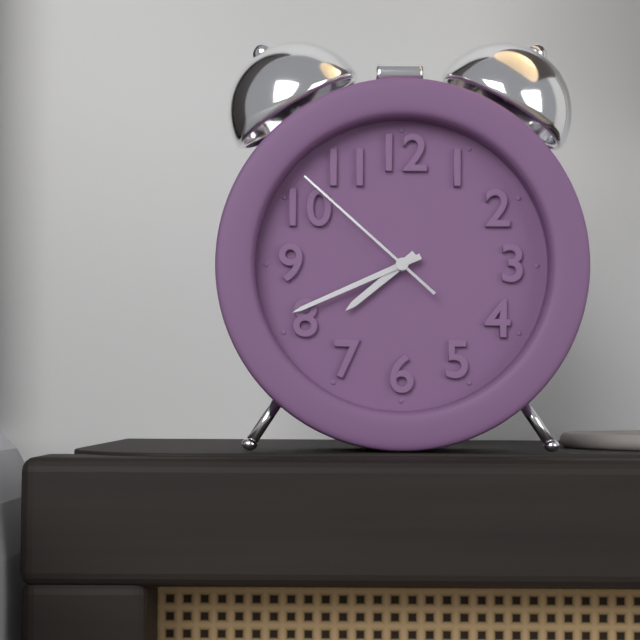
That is 7:41:52
